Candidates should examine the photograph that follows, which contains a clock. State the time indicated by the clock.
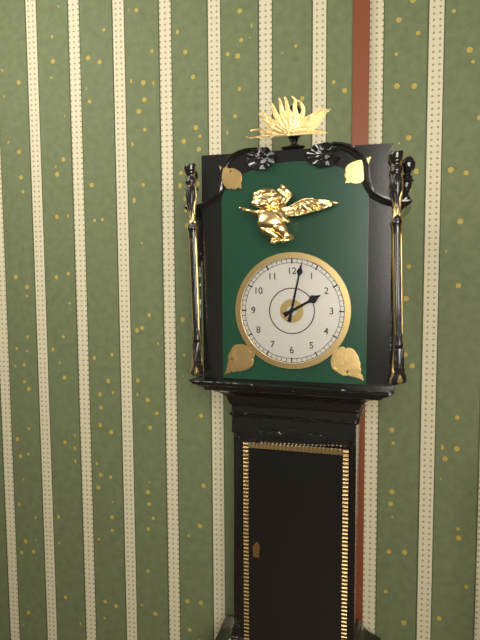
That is 2:02
